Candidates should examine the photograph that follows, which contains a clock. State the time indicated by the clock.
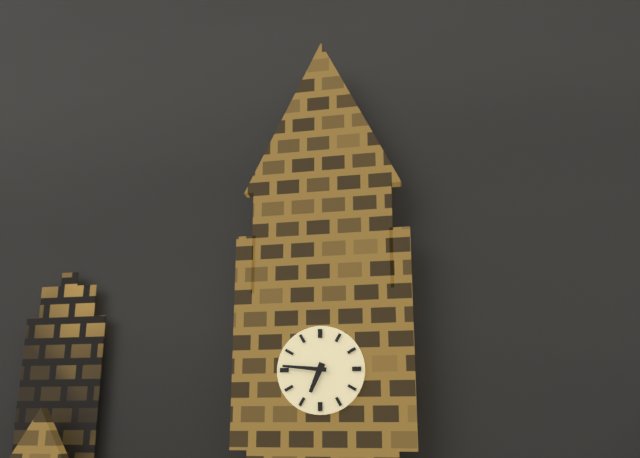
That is 6:46
